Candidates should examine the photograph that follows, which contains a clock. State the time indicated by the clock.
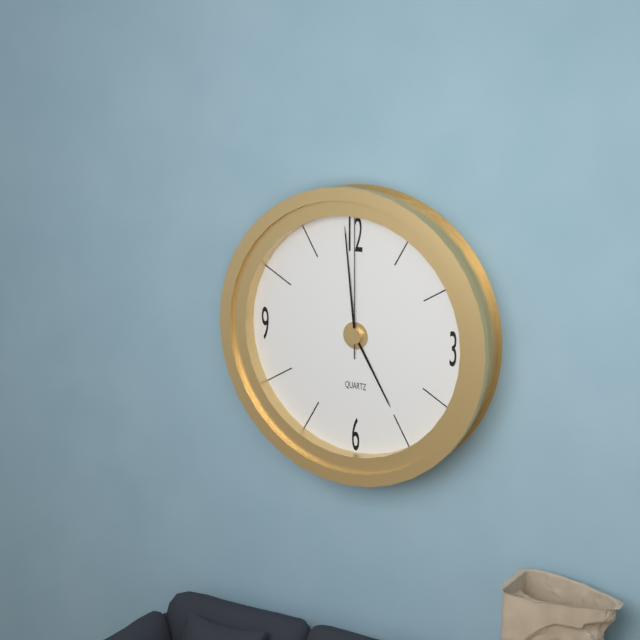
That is 4:59:00
